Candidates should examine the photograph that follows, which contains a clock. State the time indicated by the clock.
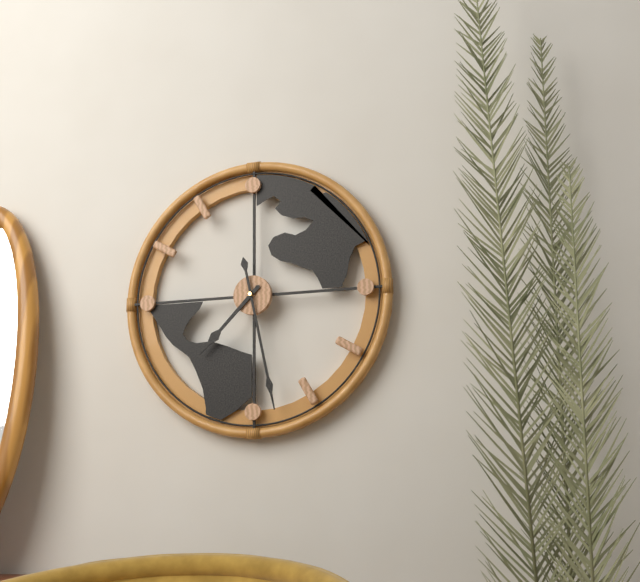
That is 7:28
